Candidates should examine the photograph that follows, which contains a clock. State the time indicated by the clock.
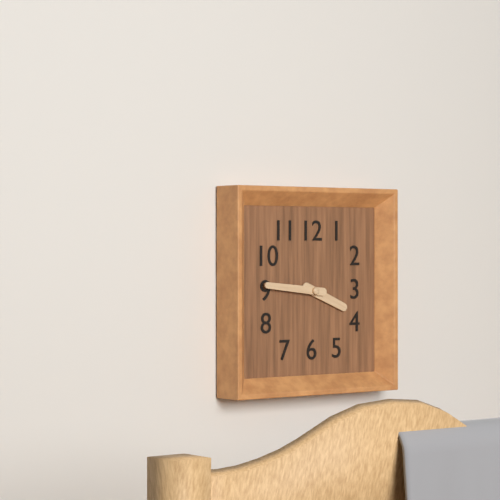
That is 3:46
